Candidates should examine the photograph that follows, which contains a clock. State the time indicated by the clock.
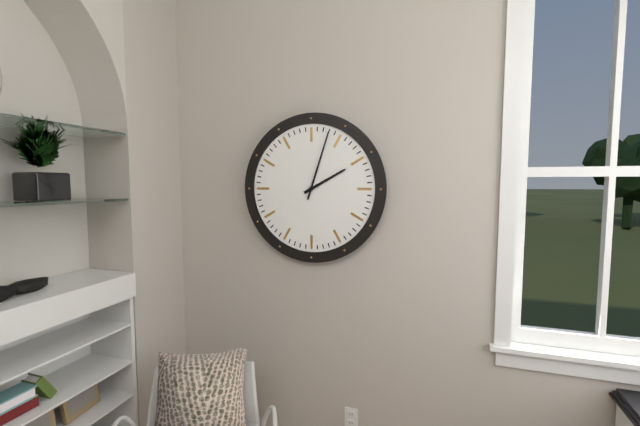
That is 2:03
